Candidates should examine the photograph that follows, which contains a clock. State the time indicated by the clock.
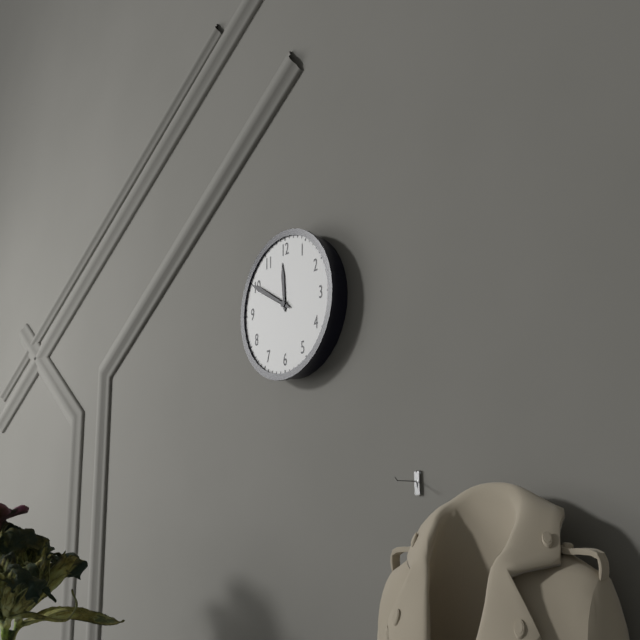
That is 11:50
